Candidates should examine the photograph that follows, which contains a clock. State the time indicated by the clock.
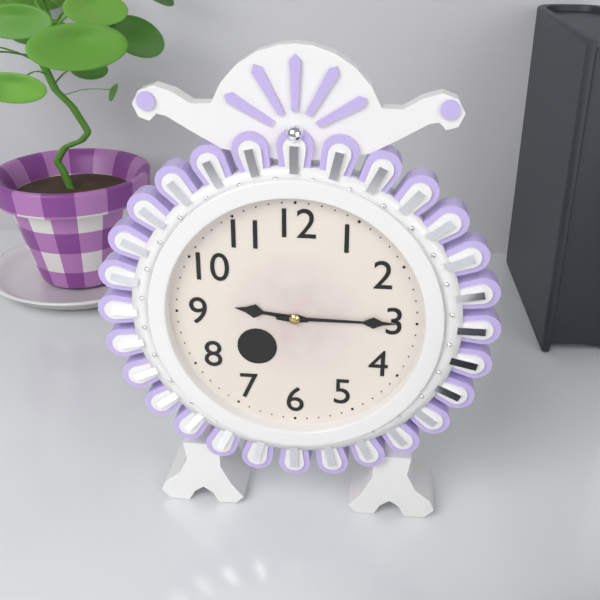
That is 9:15
